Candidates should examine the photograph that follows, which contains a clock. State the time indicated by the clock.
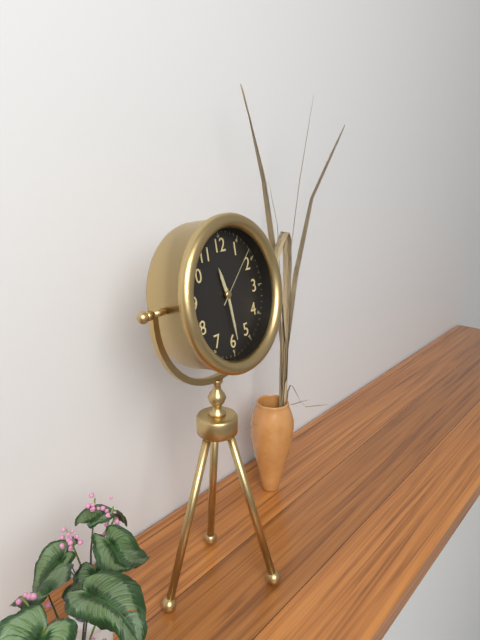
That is 11:29:08
